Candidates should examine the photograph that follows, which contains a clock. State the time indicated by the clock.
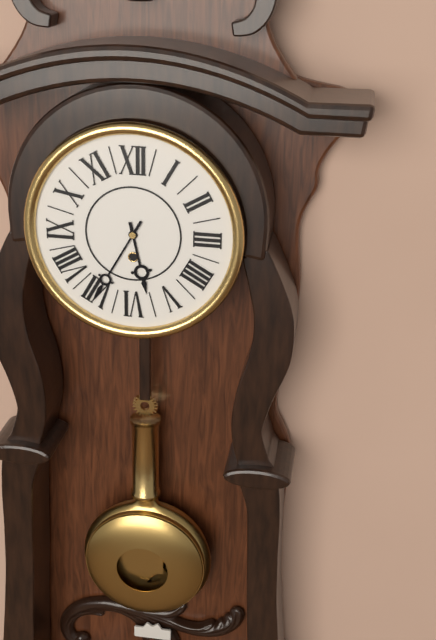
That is 5:35
